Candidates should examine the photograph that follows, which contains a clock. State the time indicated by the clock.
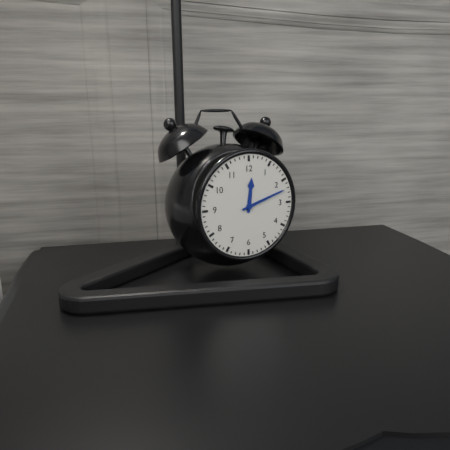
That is 12:12
